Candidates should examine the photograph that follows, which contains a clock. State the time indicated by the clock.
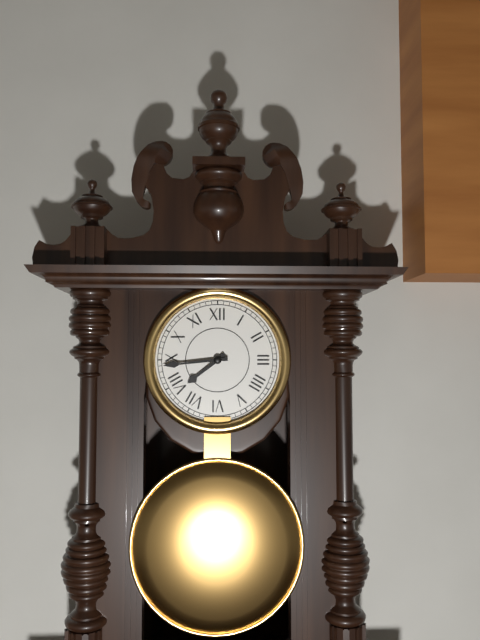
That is 7:44
